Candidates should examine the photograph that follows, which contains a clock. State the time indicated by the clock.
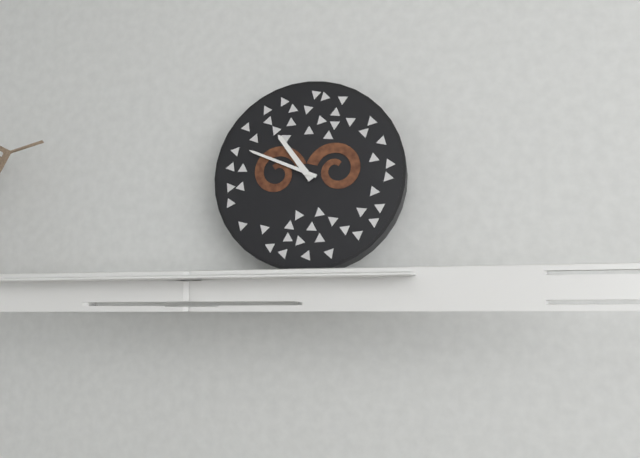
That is 10:49
